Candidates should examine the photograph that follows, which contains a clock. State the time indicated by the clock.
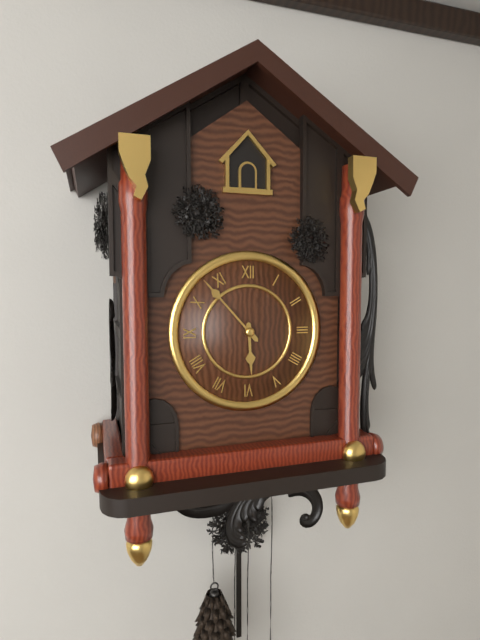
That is 5:53
